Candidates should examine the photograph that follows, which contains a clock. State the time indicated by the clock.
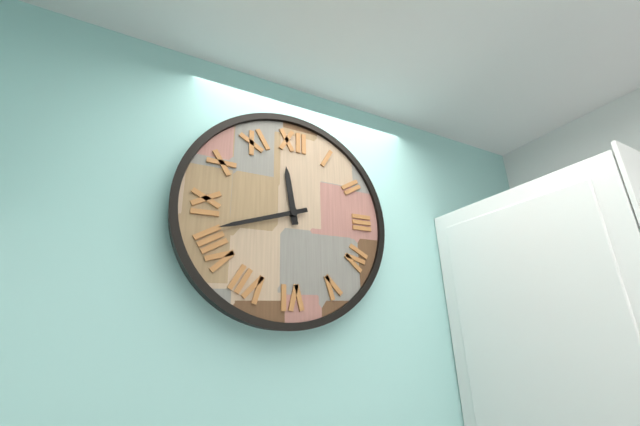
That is 11:42
